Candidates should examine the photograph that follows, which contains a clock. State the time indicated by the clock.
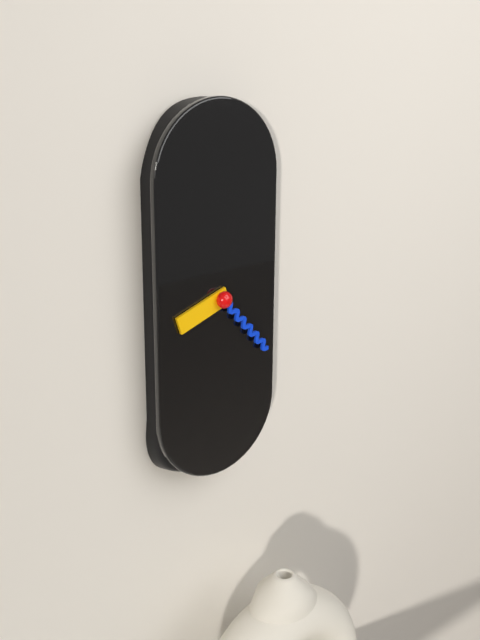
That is 8:23
